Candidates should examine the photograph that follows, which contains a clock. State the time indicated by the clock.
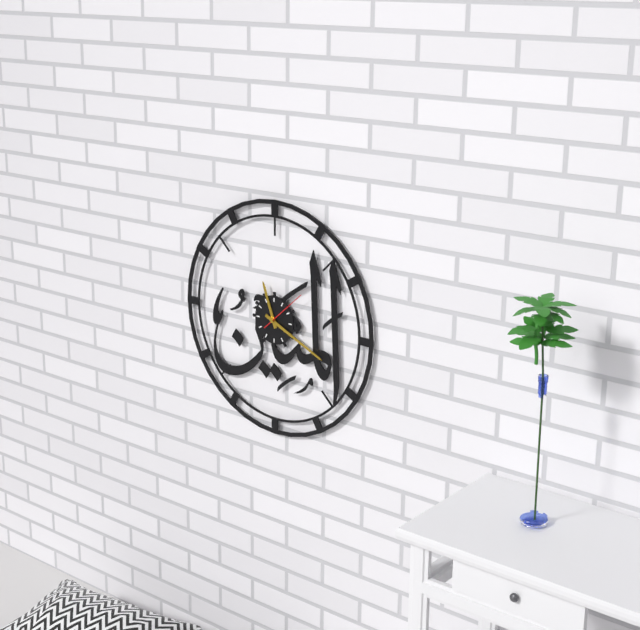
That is 11:19
